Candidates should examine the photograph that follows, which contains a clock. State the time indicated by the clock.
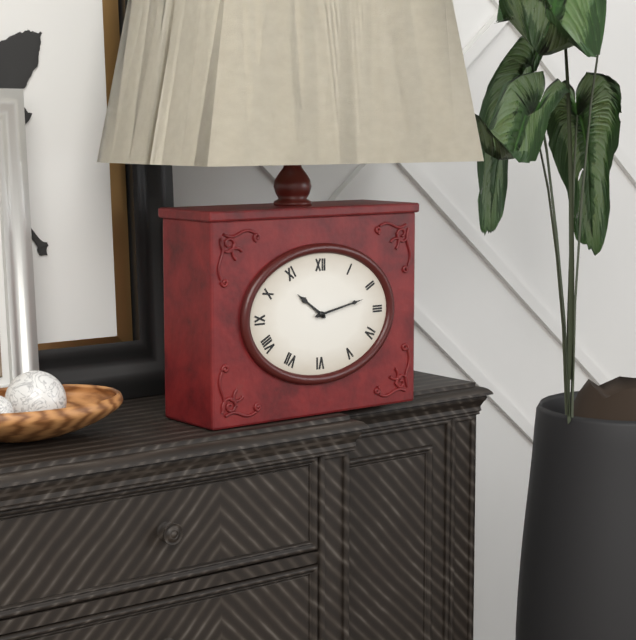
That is 10:13
